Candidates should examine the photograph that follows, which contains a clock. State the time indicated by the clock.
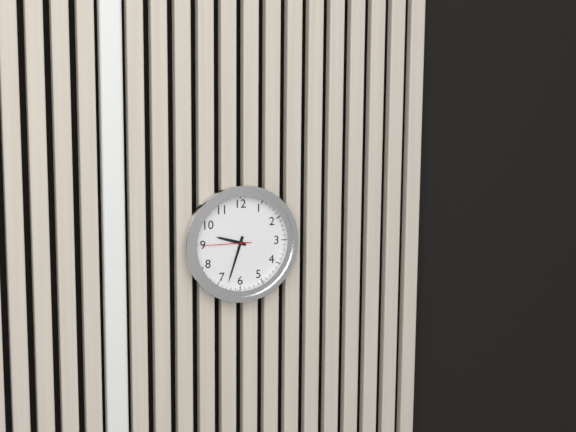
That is 9:33:45
